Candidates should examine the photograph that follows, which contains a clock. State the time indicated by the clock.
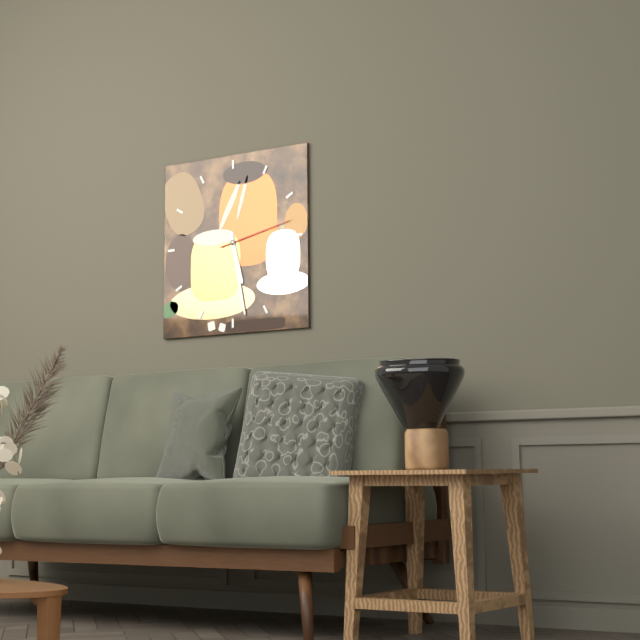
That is 5:28:13
